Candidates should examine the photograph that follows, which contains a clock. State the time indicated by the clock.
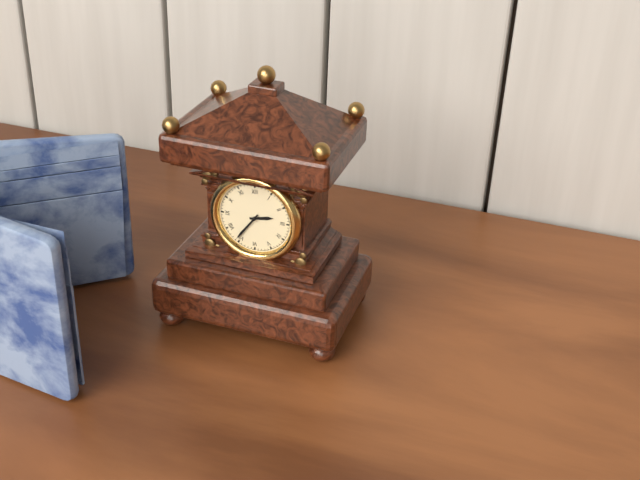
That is 2:36
